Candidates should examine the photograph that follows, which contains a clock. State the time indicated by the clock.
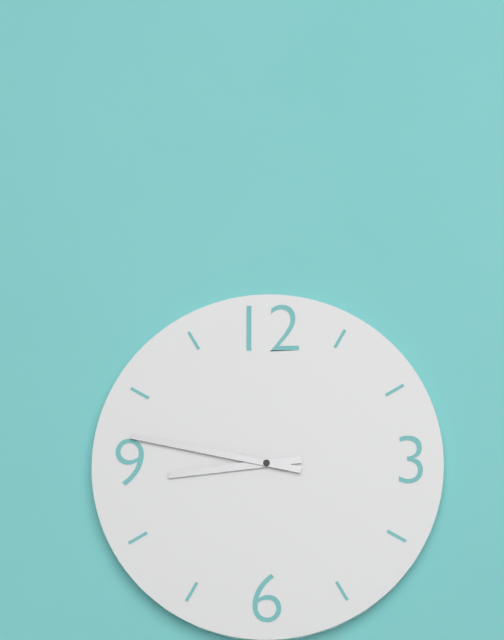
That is 8:47
